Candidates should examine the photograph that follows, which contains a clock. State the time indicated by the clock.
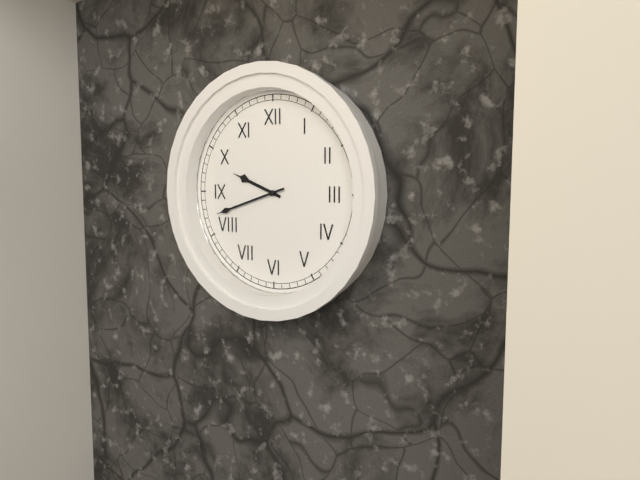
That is 9:42
